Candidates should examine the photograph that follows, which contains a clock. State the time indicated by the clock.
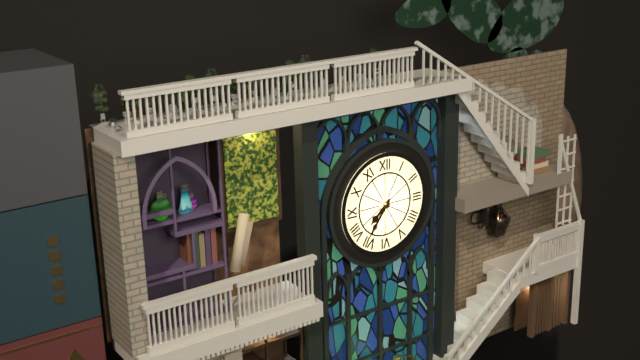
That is 7:36
